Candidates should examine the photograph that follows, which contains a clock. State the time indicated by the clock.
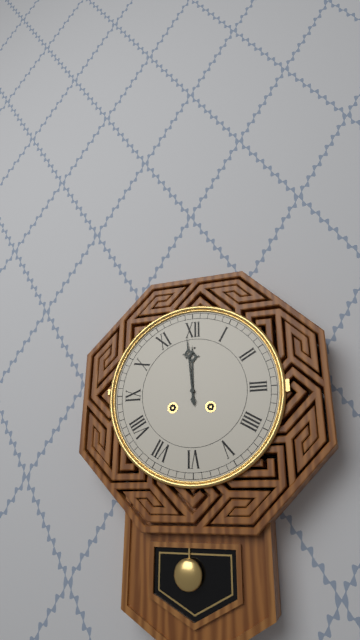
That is 11:59
